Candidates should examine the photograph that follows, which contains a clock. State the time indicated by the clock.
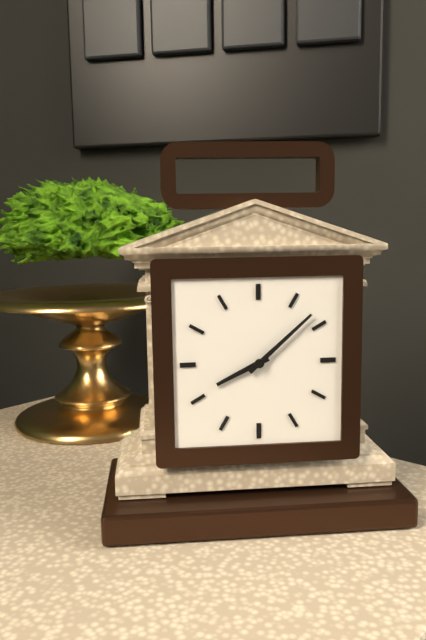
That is 8:08
